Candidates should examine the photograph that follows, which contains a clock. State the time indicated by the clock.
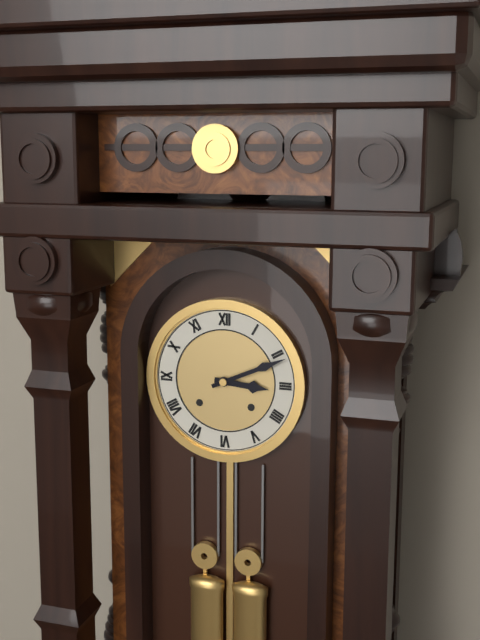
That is 3:11
